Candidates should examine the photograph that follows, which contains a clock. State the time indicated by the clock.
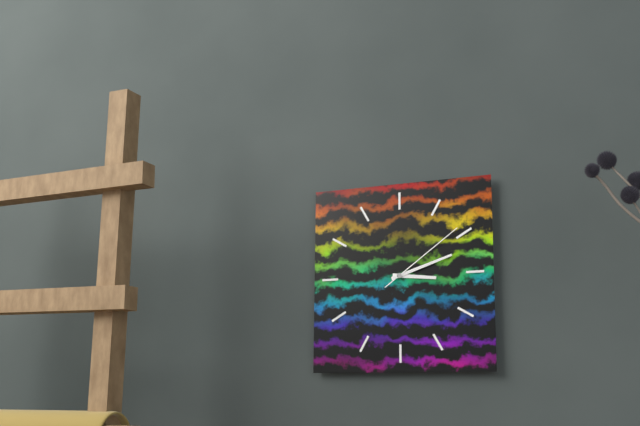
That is 3:12:09
